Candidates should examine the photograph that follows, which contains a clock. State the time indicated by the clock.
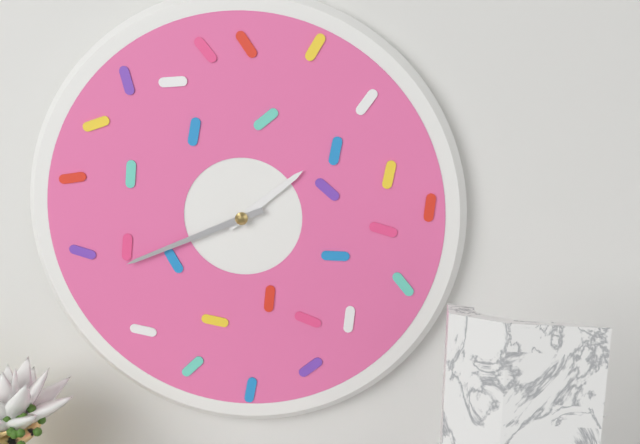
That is 1:41
